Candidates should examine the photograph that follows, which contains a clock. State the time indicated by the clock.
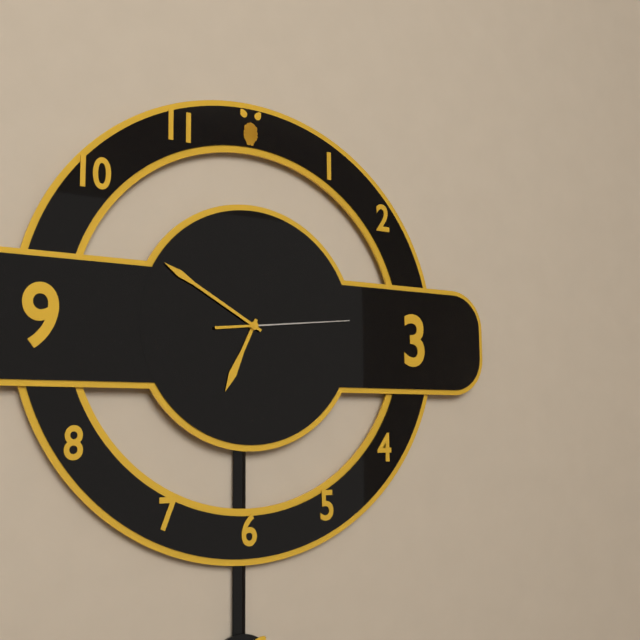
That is 6:50:14
